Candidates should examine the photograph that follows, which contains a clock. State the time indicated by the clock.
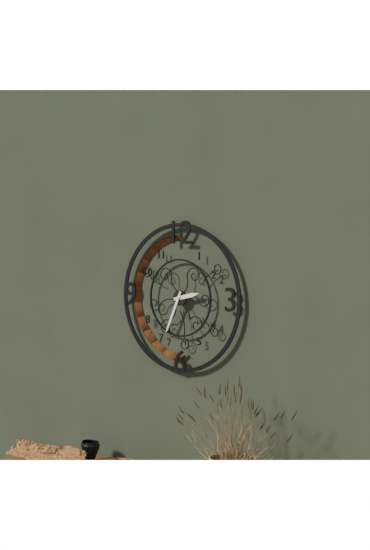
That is 2:34
